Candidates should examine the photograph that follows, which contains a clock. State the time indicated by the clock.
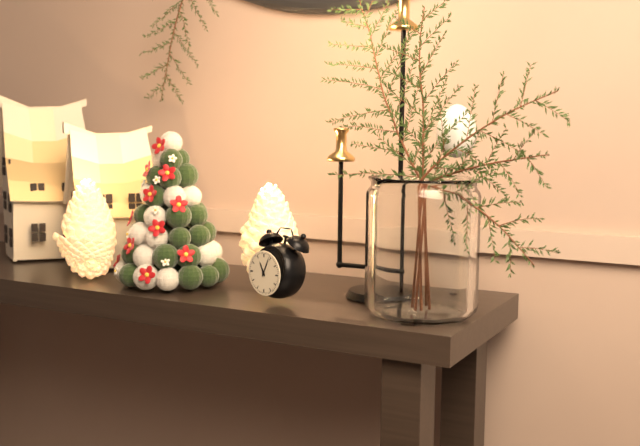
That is 11:04
